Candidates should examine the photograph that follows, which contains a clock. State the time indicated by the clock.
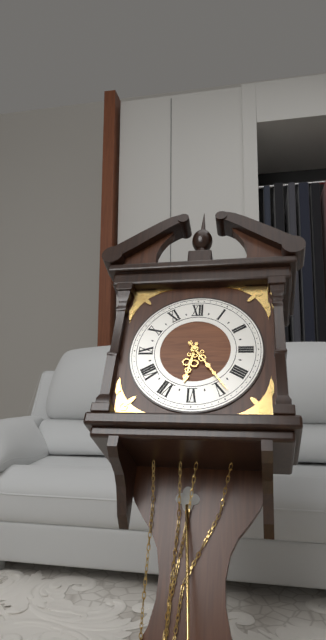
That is 6:24
